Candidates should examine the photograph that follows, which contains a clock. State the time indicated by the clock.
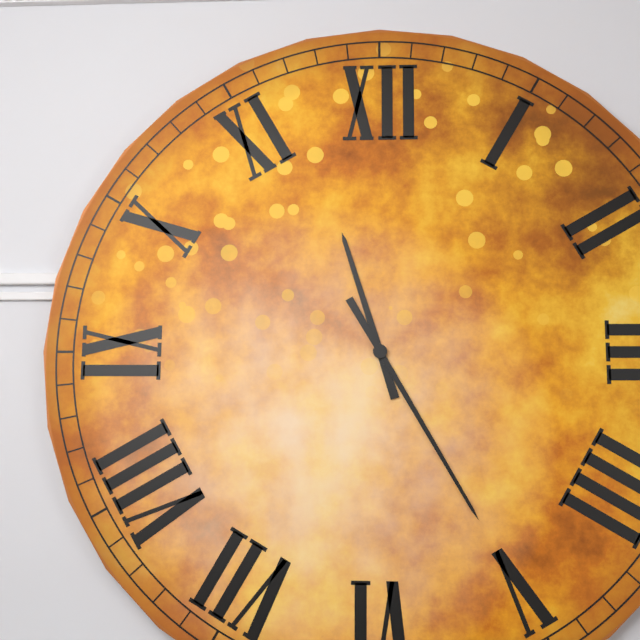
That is 11:25
